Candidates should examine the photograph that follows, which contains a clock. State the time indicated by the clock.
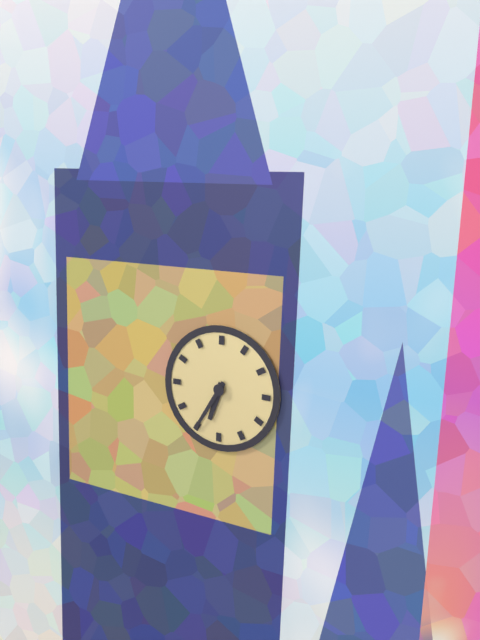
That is 6:35
